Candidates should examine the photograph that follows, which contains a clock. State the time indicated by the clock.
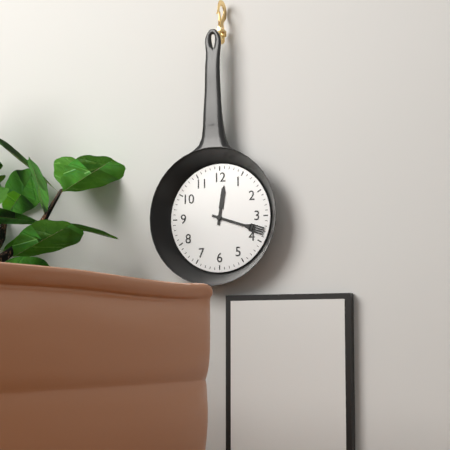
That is 12:18
